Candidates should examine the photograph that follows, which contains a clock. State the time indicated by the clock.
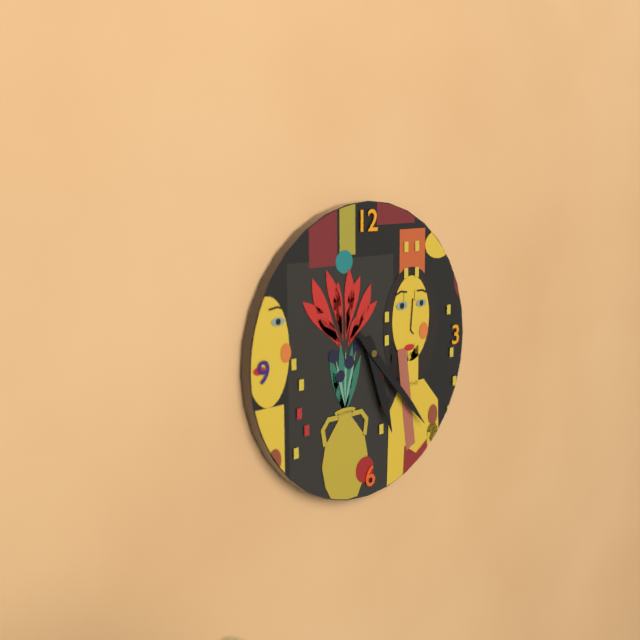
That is 5:23
